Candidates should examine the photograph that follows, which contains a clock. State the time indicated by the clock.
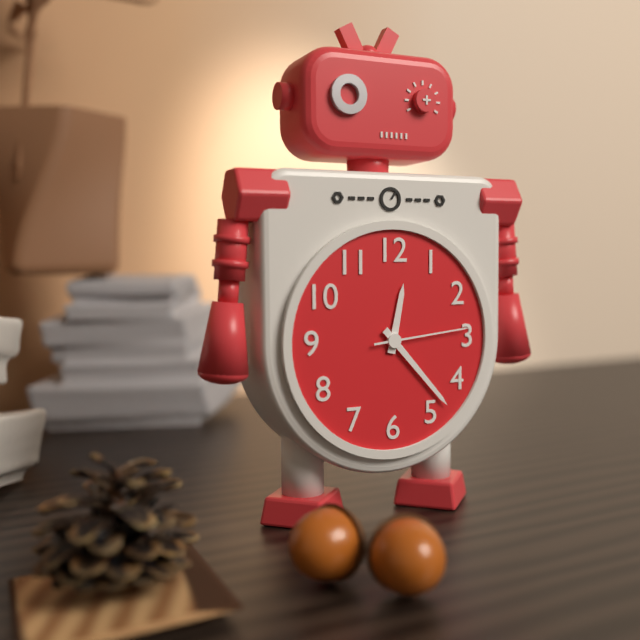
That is 12:23:14
